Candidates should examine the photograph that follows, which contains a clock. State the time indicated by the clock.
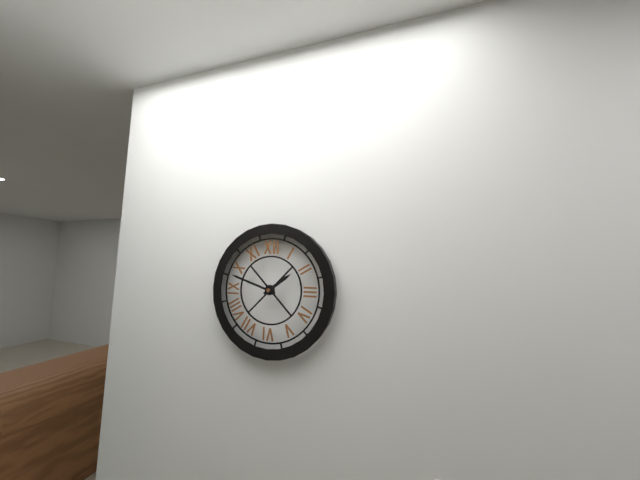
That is 1:48
